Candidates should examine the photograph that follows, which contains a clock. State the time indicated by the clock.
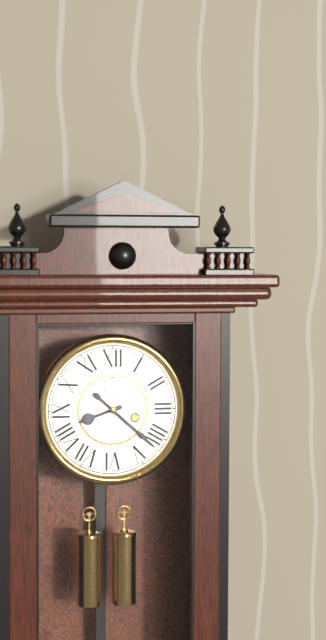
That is 8:22
